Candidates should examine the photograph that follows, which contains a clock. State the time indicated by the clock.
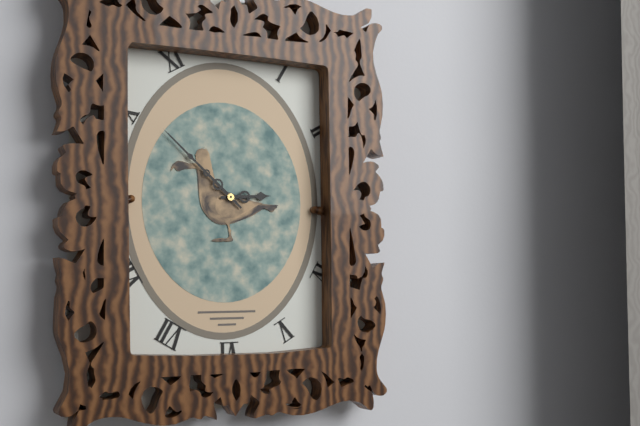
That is 2:52
